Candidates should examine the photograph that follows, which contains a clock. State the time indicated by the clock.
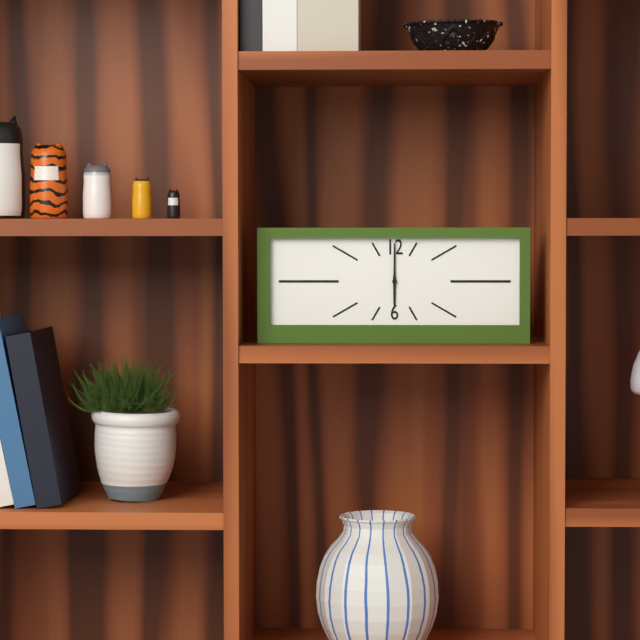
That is 6:00
